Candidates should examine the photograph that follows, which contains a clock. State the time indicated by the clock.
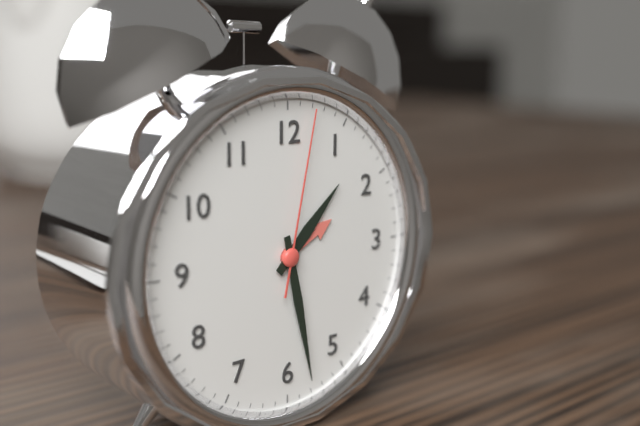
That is 1:28:02
